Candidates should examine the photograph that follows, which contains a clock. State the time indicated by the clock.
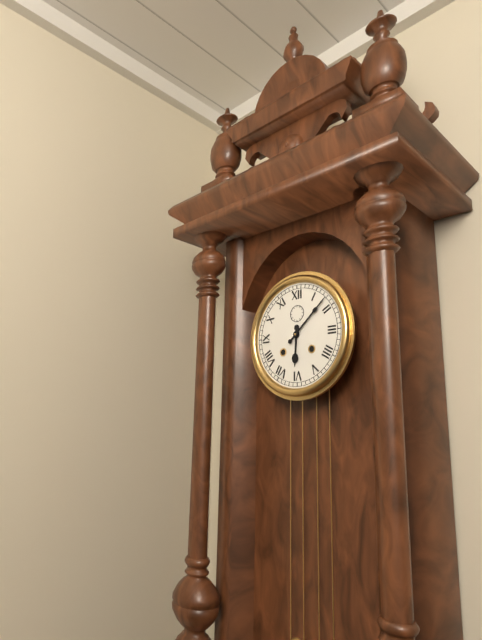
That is 6:08
